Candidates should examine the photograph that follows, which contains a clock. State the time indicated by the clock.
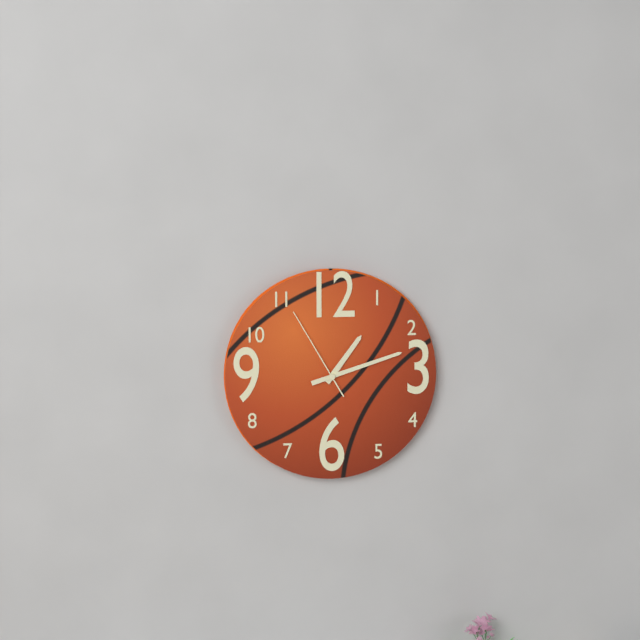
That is 1:12:55
